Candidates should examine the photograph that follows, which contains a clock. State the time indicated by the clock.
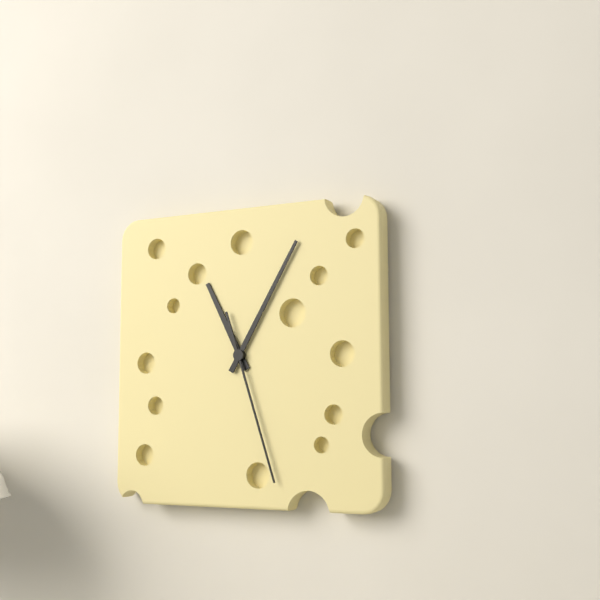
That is 11:05:27
